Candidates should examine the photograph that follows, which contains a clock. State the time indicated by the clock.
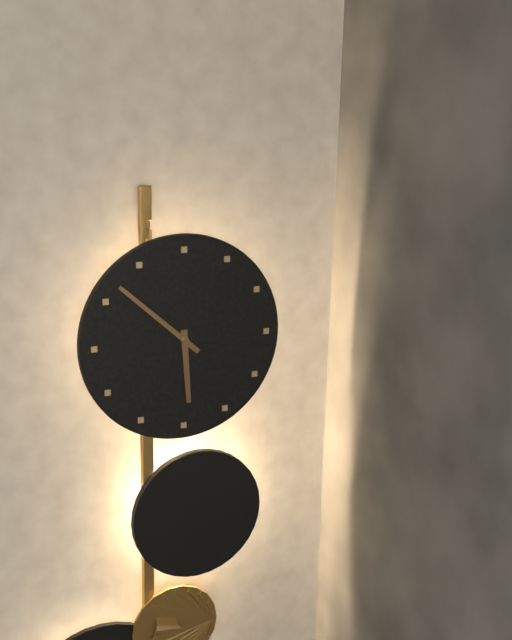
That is 5:52
